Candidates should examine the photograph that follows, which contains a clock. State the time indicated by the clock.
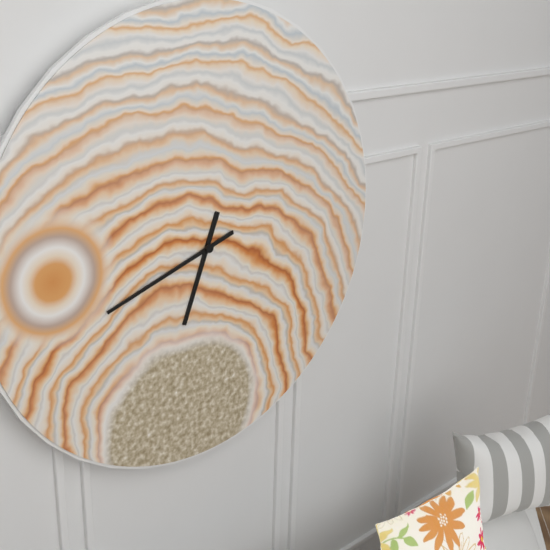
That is 6:42
